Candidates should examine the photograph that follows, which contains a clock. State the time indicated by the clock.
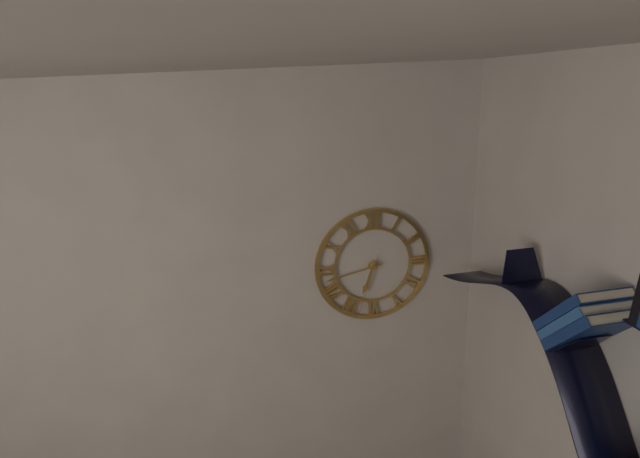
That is 6:43:33
